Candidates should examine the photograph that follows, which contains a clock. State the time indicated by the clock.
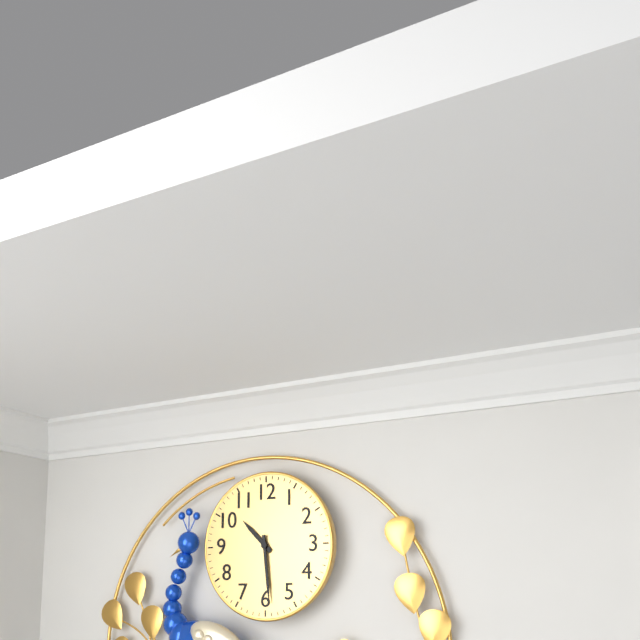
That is 10:29
